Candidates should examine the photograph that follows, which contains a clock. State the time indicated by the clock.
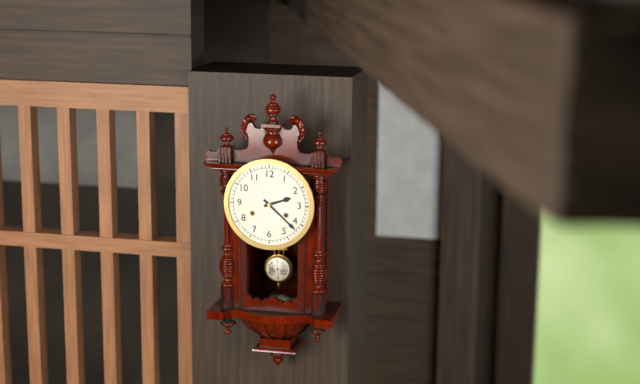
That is 2:22
